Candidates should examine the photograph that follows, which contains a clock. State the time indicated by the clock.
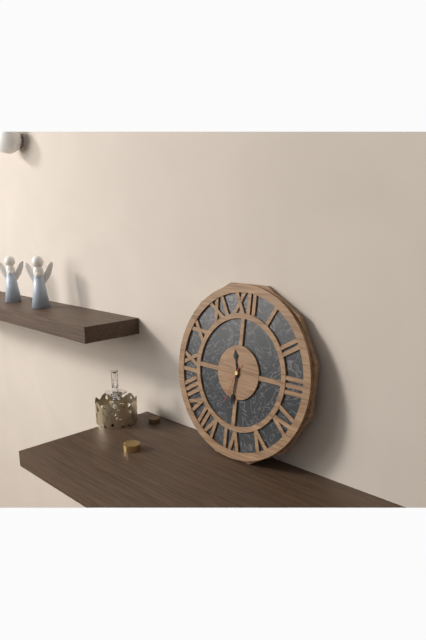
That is 11:31
